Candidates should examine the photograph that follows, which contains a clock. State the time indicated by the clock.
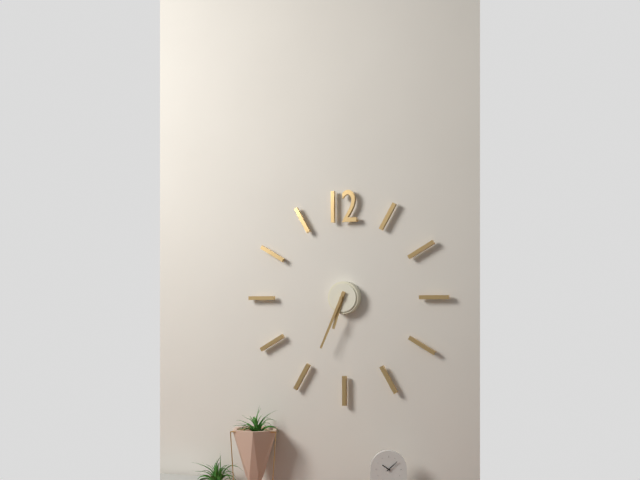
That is 6:34
